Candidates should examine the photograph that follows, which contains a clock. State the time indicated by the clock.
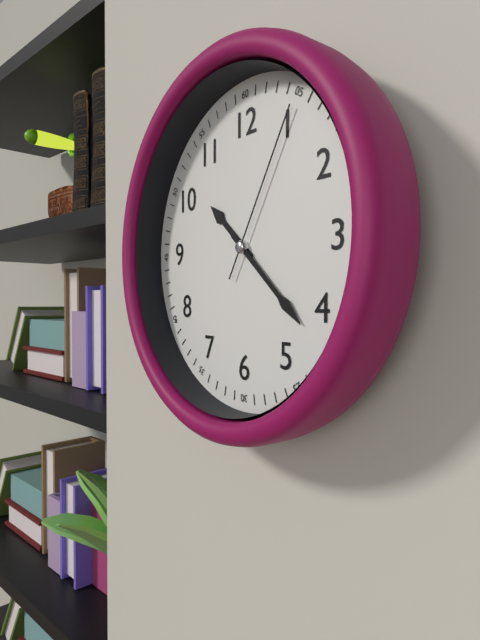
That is 10:22:05
